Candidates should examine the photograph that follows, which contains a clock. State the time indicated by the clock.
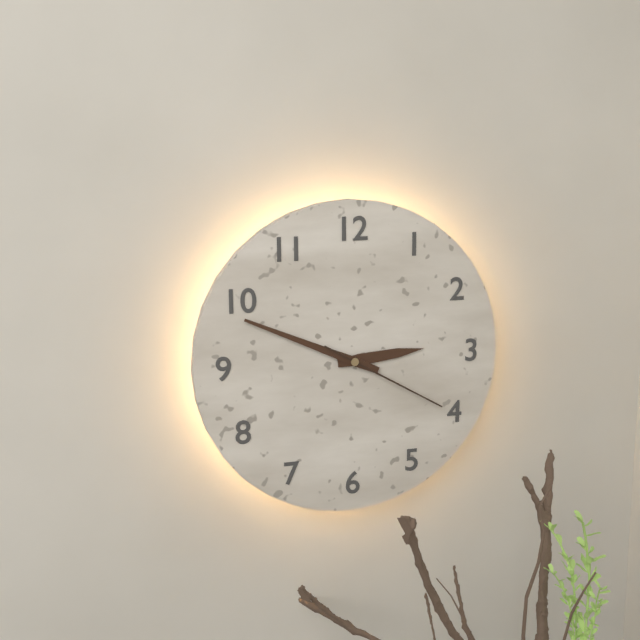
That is 2:49:20
